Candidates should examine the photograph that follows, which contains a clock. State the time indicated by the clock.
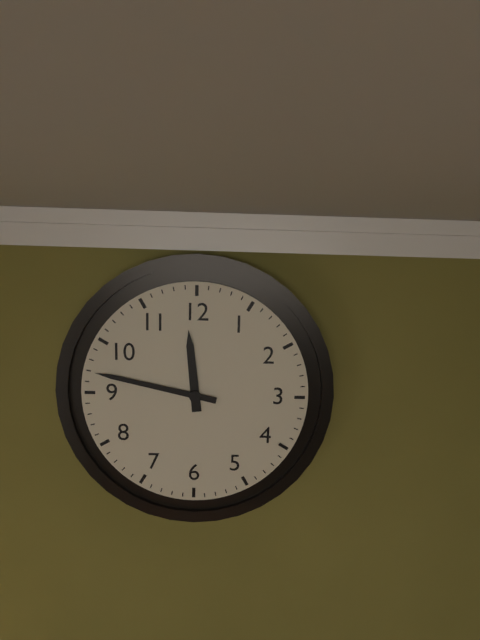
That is 11:47
